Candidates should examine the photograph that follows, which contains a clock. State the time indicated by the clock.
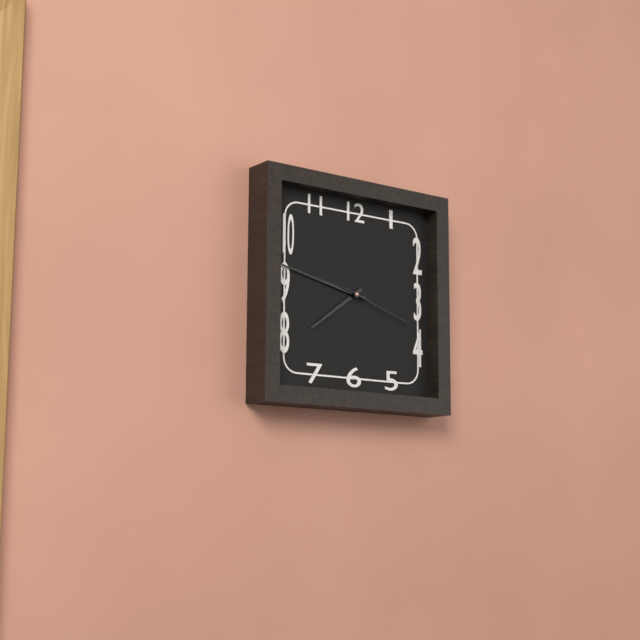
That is 7:47:18
